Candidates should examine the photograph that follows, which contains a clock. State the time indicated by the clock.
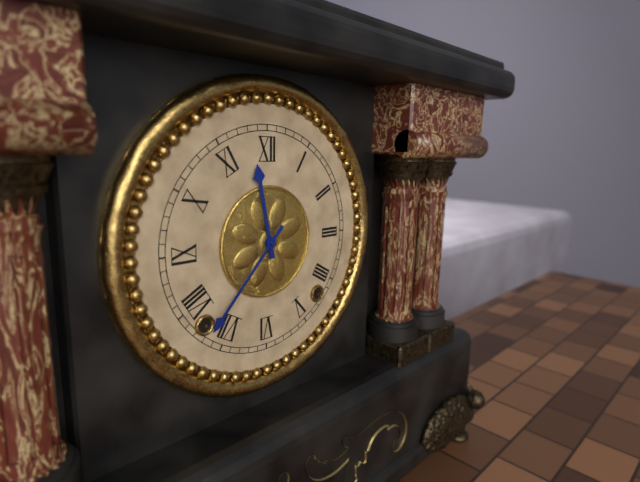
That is 11:37
